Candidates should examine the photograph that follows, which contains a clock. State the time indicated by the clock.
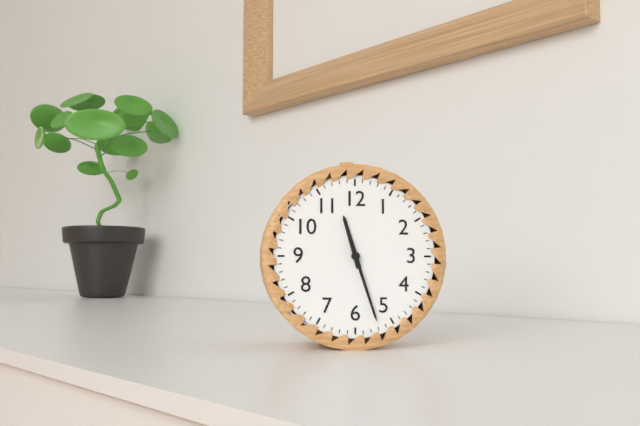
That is 11:27
